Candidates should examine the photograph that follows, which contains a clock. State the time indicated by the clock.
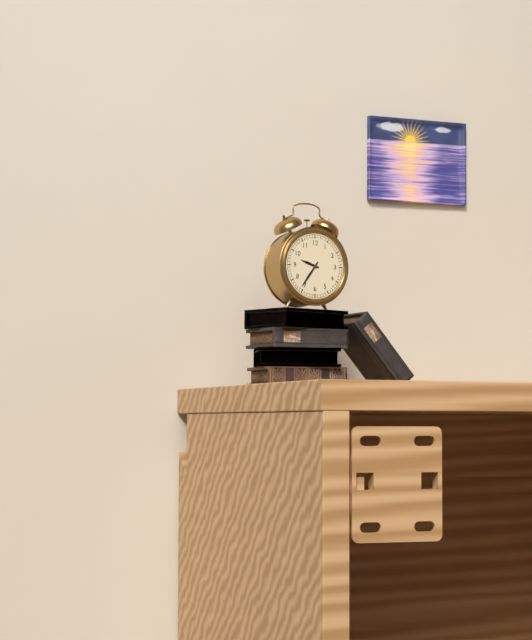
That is 9:36
